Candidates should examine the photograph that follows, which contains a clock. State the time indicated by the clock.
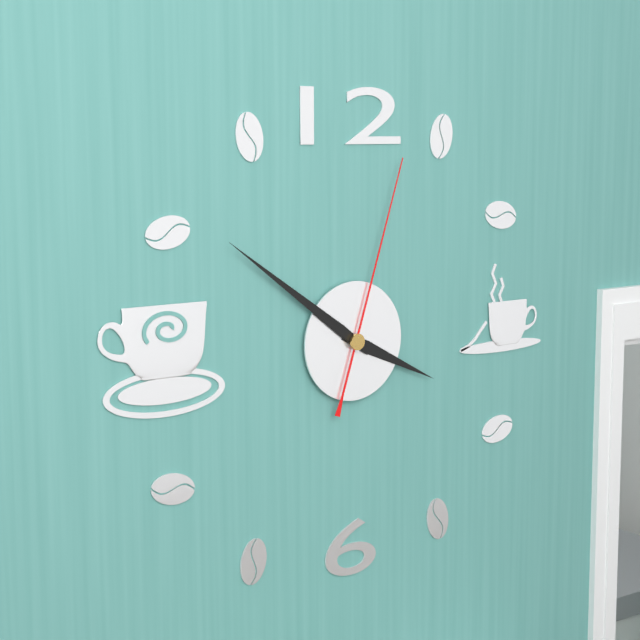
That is 3:51:03
